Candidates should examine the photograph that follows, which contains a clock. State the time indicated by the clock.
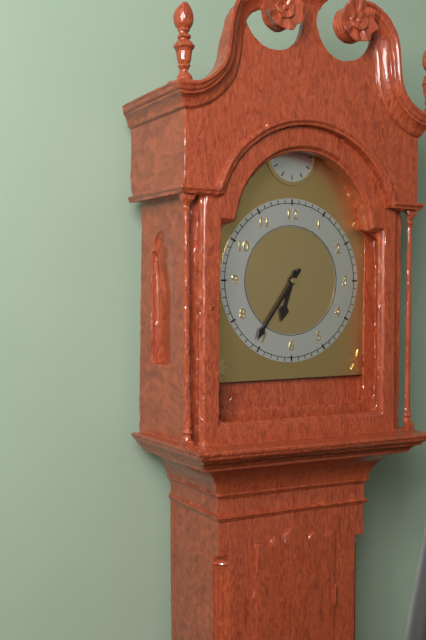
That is 6:36
